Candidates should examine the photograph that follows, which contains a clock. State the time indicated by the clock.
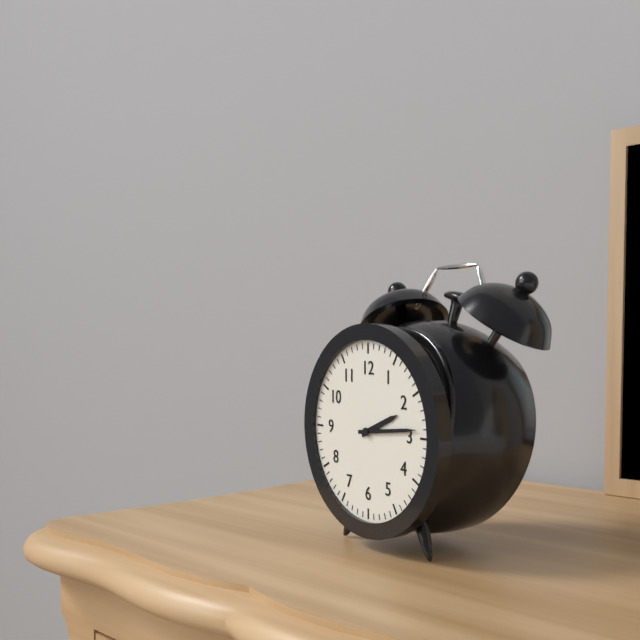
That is 2:14
